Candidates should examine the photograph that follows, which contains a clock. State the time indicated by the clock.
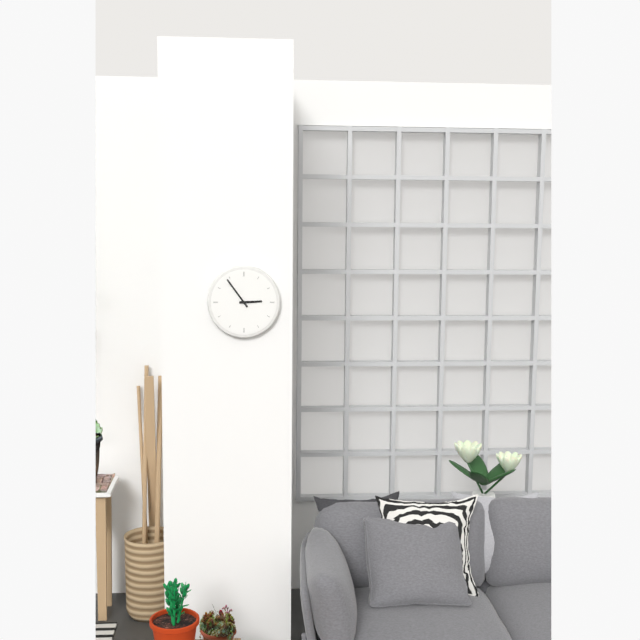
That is 2:54
